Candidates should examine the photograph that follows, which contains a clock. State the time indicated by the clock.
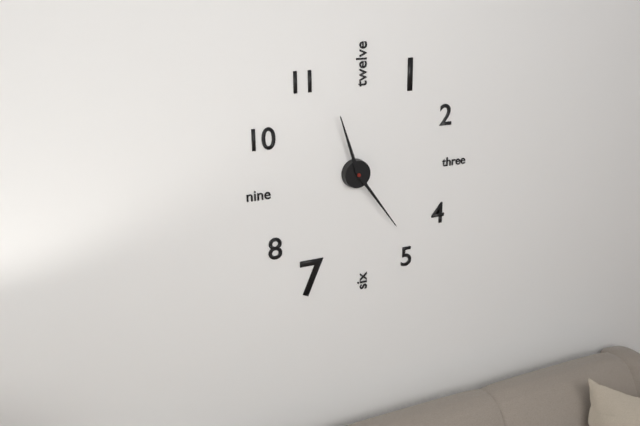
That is 11:24
